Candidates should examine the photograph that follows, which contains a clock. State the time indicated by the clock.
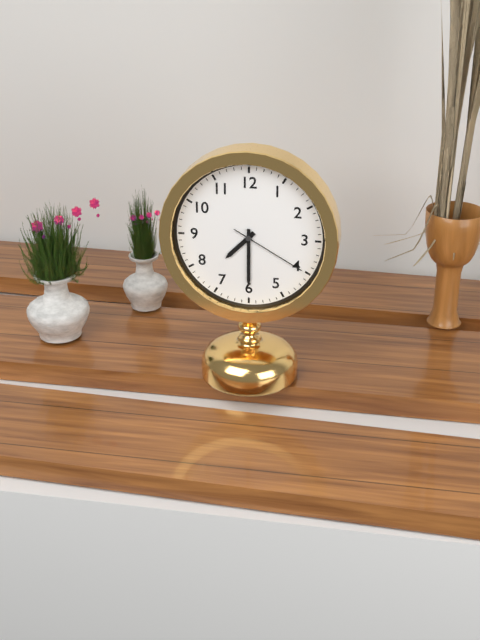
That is 7:30:20
